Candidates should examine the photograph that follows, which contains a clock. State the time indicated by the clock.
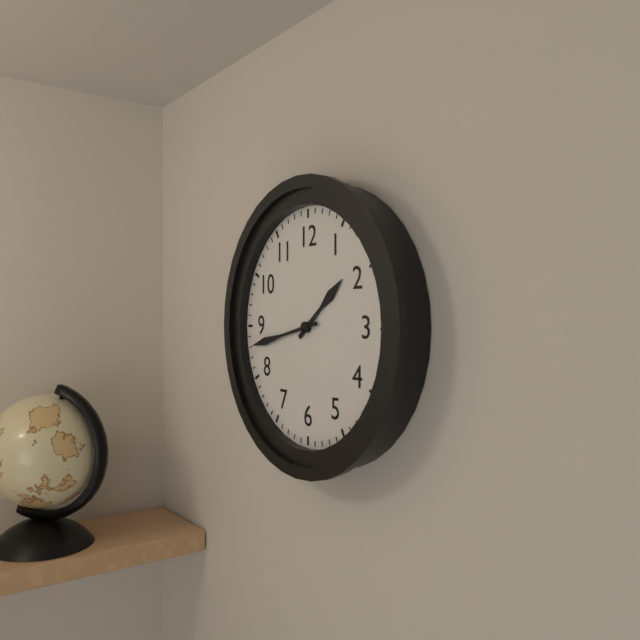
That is 1:43
